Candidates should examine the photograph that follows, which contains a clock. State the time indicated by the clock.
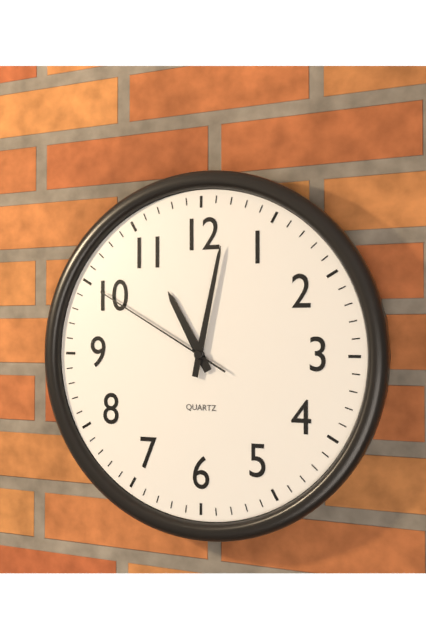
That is 11:02:50
